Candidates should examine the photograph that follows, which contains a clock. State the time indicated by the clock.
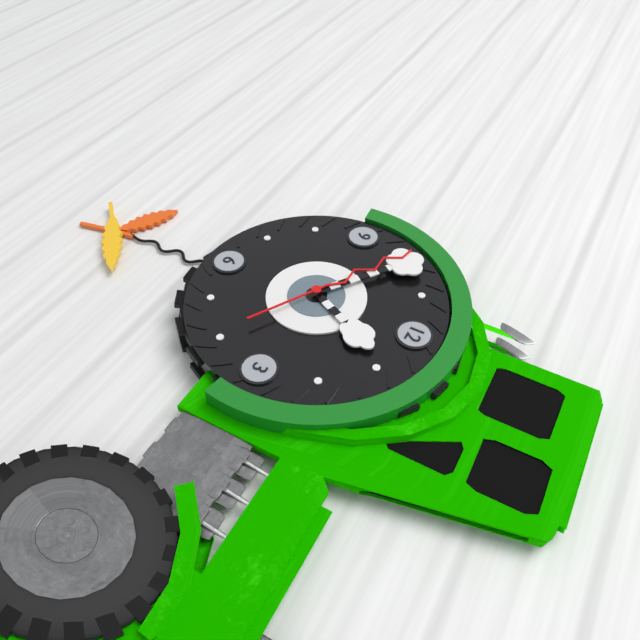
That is 12:51:50
